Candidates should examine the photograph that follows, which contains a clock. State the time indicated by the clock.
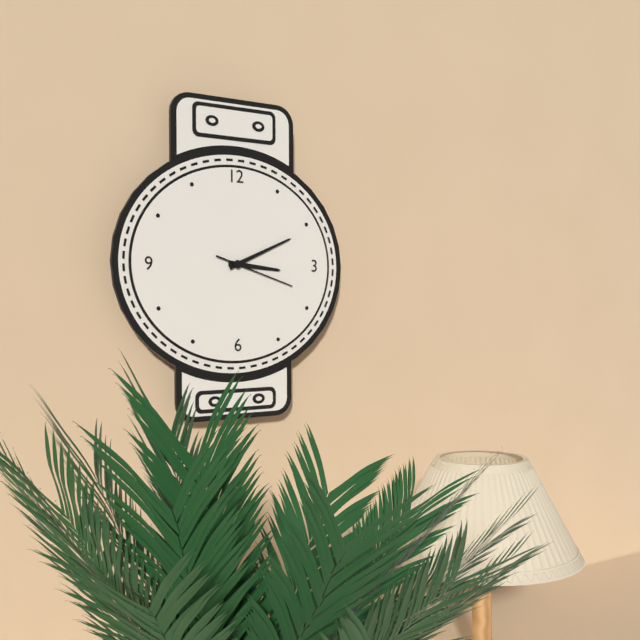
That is 3:11:18
